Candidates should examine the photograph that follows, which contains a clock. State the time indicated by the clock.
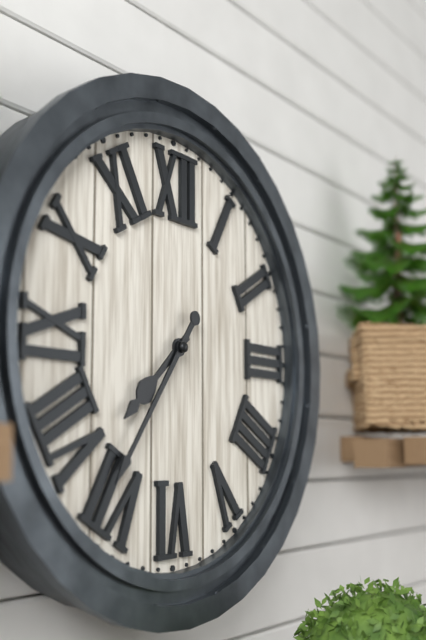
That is 7:36
